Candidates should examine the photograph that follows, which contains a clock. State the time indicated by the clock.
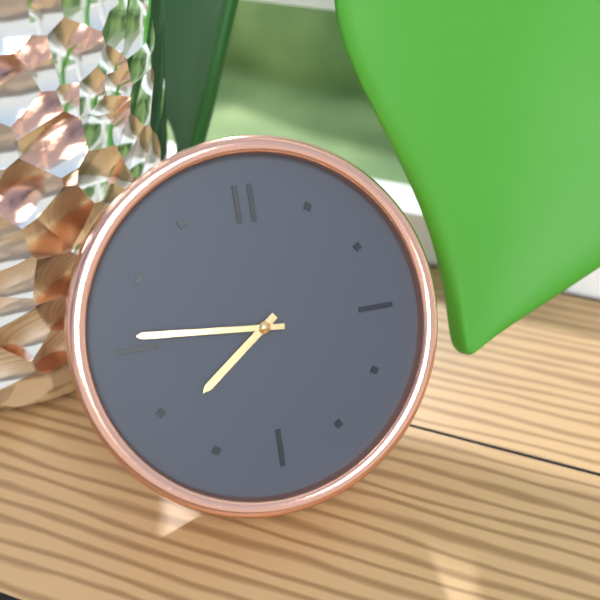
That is 7:46
